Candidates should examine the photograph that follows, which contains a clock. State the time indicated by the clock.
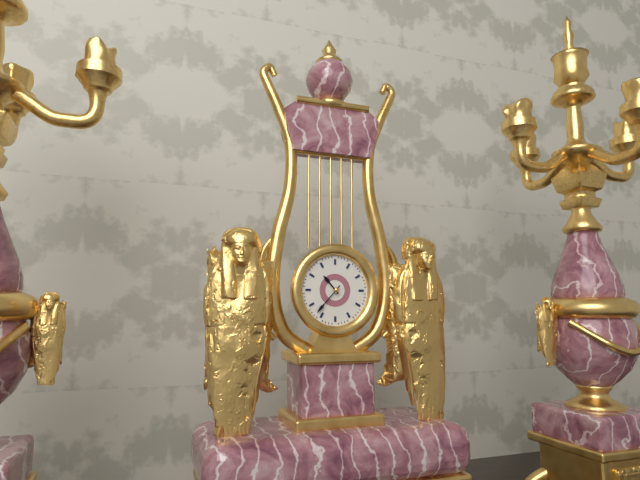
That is 10:37
